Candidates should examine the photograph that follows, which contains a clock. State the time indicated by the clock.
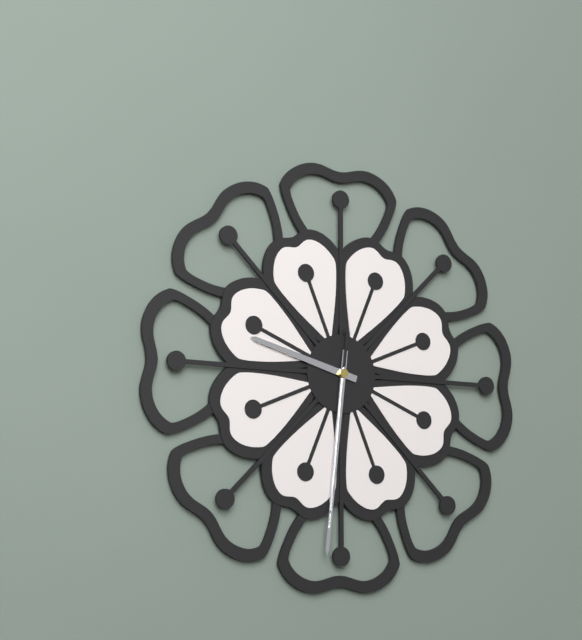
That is 9:31:31
